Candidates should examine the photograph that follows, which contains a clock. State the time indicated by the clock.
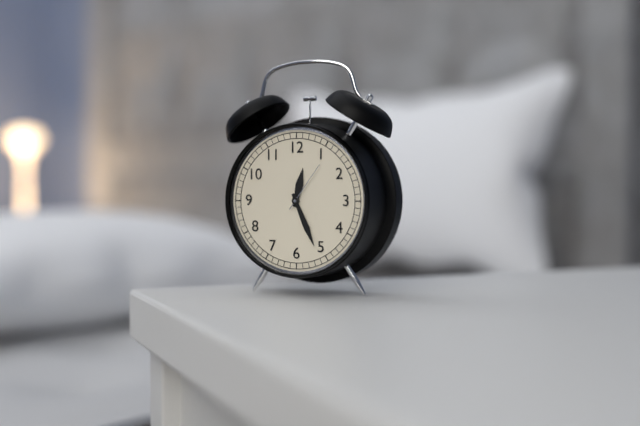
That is 12:26:06
